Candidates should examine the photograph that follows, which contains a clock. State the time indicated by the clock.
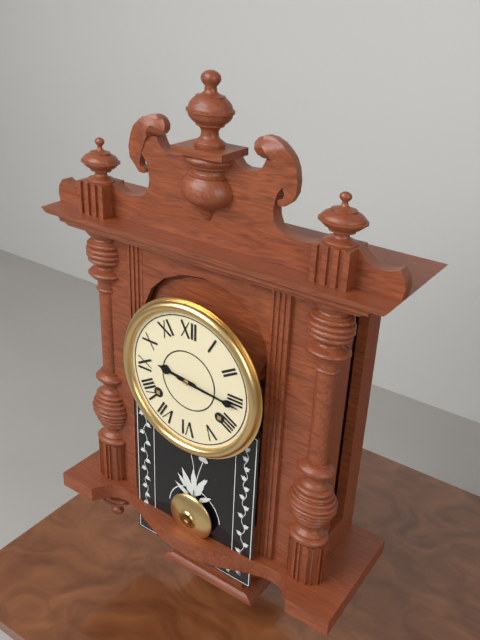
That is 9:16
